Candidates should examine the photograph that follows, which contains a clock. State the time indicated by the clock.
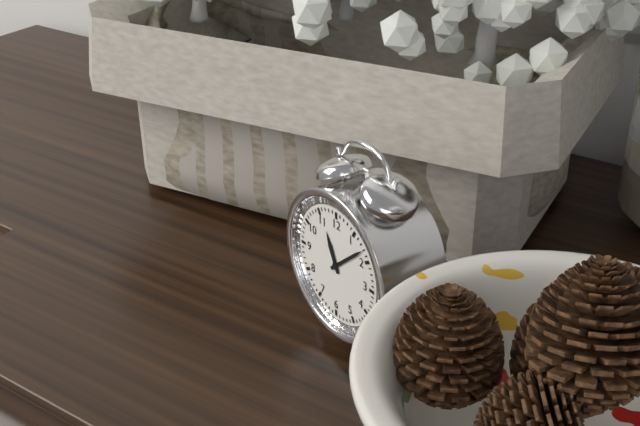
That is 11:08
